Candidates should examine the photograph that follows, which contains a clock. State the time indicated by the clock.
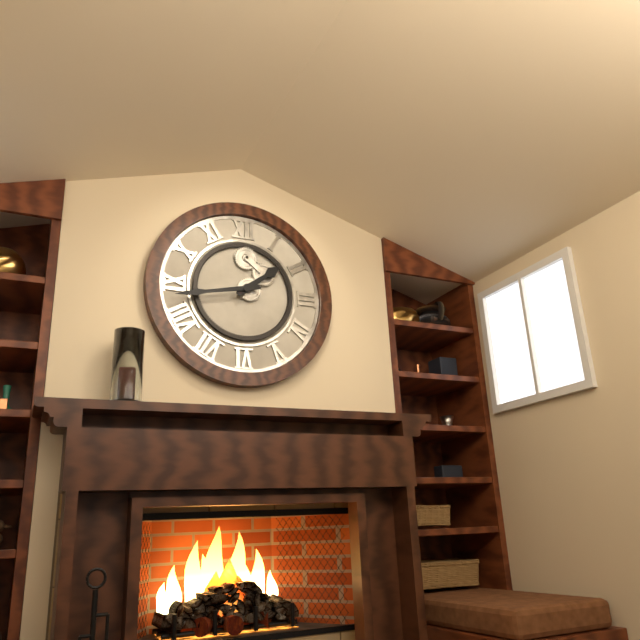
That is 1:43
